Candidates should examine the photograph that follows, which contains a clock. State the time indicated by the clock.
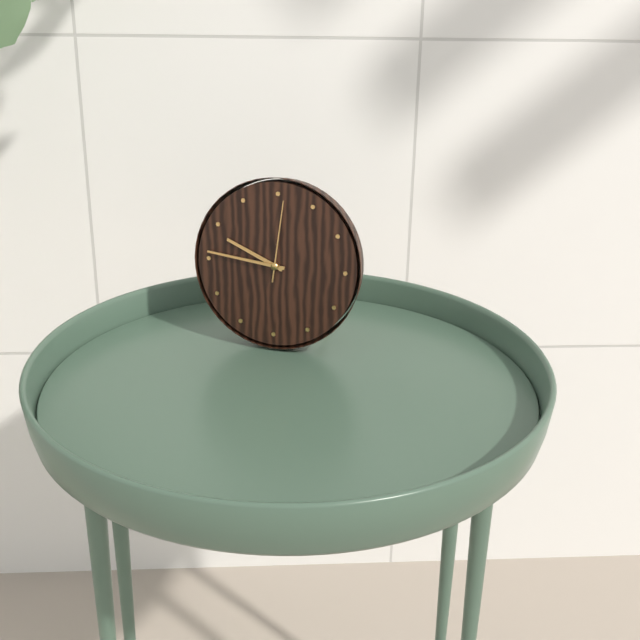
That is 9:46:01
